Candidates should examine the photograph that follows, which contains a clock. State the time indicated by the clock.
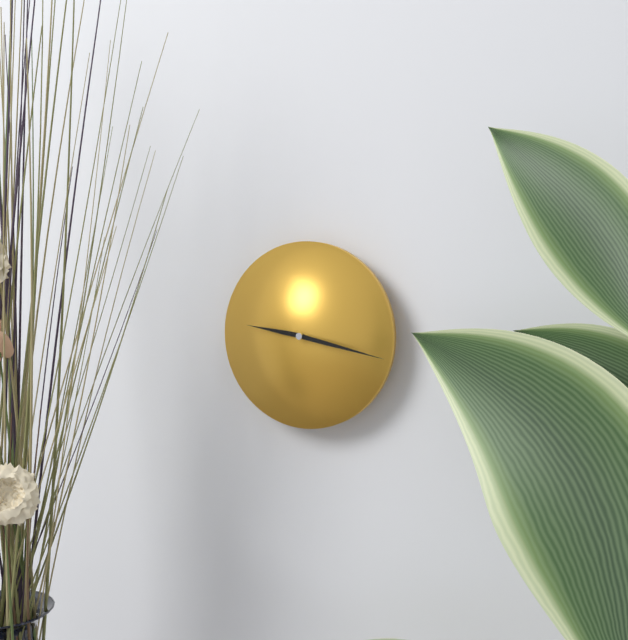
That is 9:17
